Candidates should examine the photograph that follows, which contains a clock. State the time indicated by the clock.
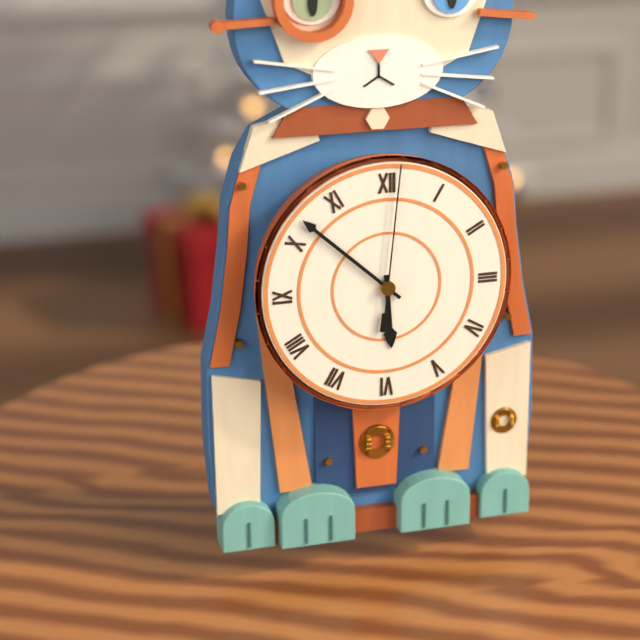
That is 5:52:01
